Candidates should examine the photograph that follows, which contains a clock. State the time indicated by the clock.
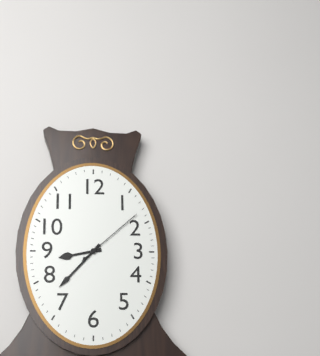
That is 8:37:08
